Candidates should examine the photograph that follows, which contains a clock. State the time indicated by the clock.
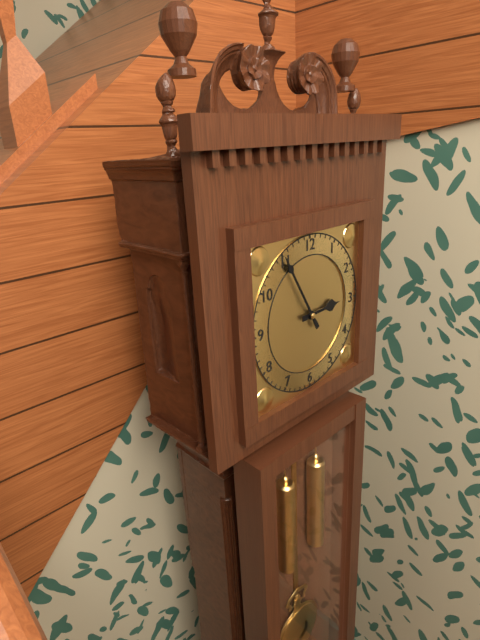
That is 2:55
